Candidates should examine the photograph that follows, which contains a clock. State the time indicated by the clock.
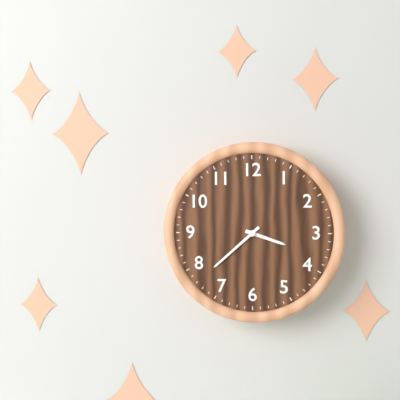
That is 3:38
